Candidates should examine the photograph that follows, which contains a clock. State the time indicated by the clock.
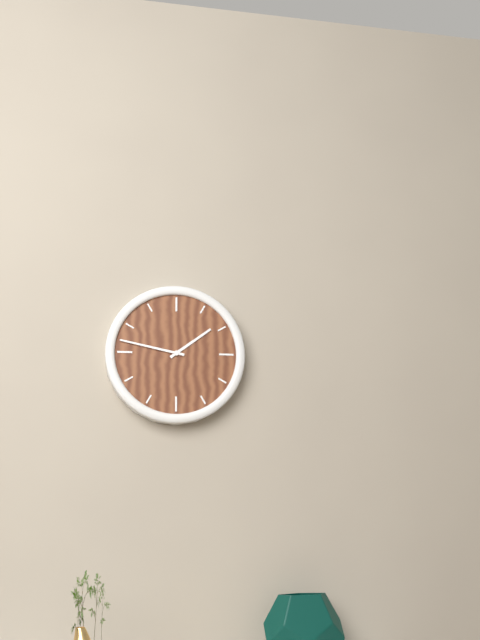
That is 1:47
